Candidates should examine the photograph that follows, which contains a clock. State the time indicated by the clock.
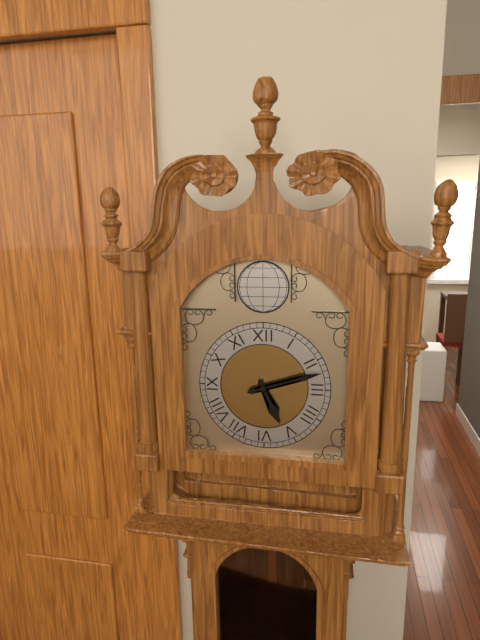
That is 5:12
